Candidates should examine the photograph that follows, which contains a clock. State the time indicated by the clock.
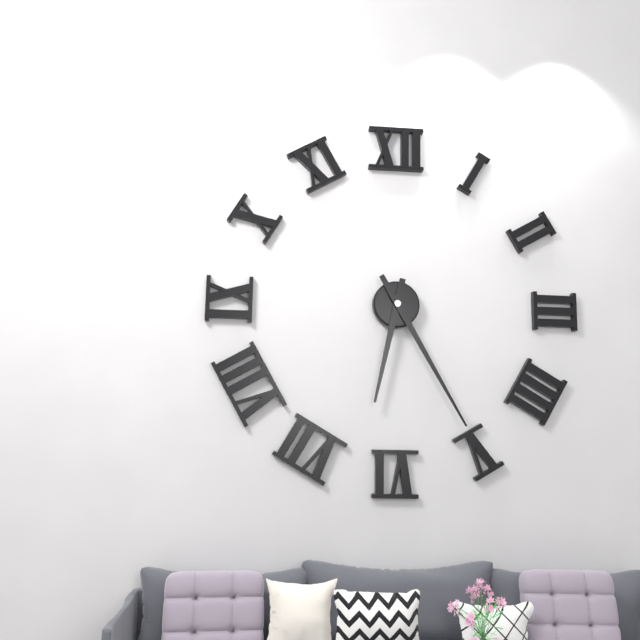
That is 6:25
